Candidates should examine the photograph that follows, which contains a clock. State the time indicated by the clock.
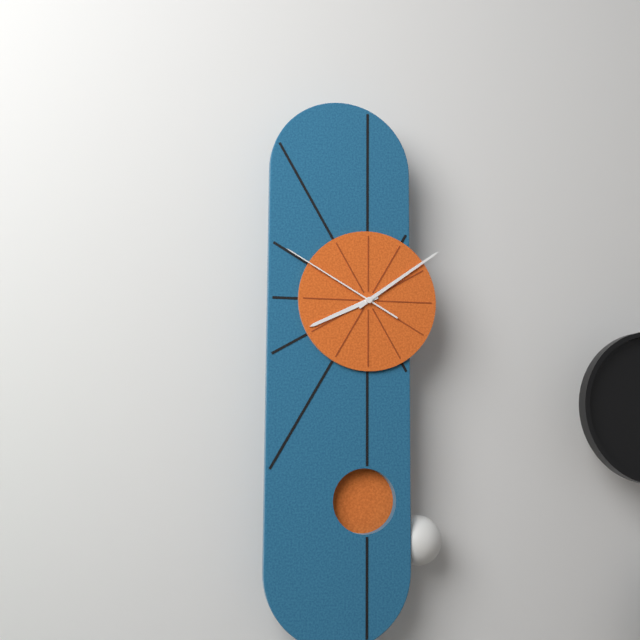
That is 8:09:50
